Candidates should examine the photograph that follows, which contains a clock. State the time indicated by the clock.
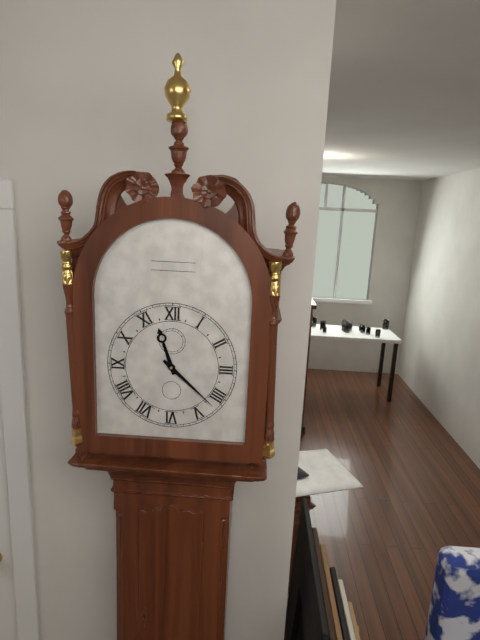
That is 11:22
